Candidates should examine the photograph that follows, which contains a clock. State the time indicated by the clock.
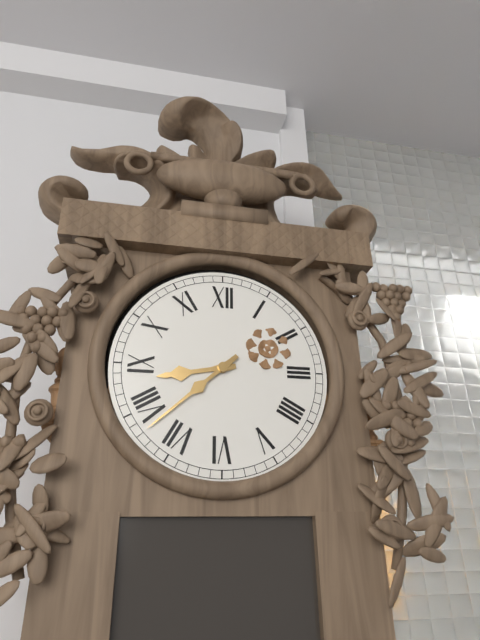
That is 8:38
